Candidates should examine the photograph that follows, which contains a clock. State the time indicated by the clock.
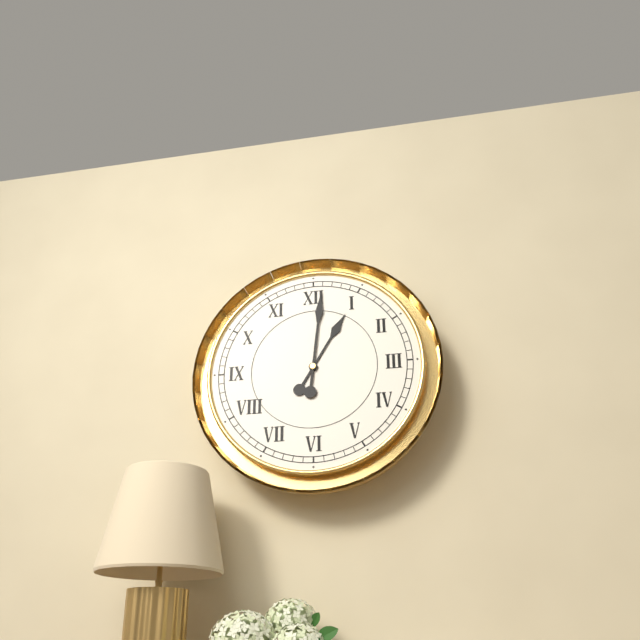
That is 1:01
